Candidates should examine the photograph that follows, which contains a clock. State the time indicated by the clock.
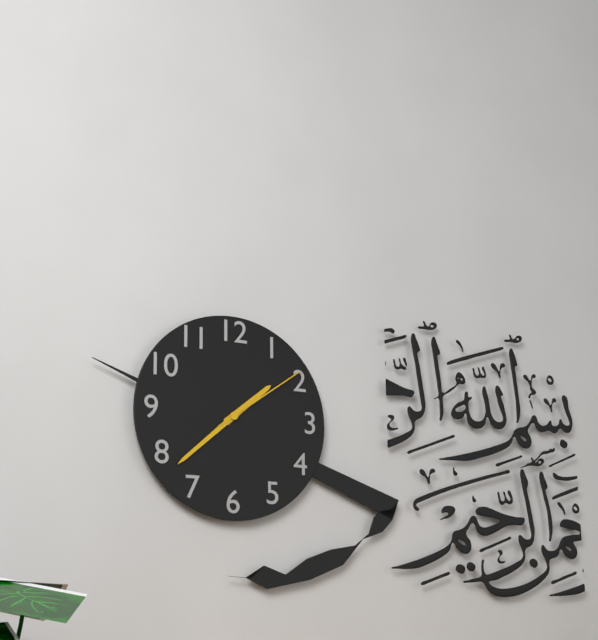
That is 1:38:09
